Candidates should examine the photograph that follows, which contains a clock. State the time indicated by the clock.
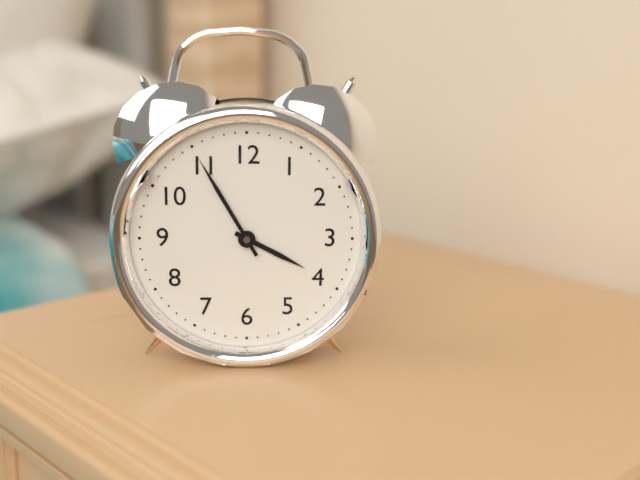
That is 3:55
